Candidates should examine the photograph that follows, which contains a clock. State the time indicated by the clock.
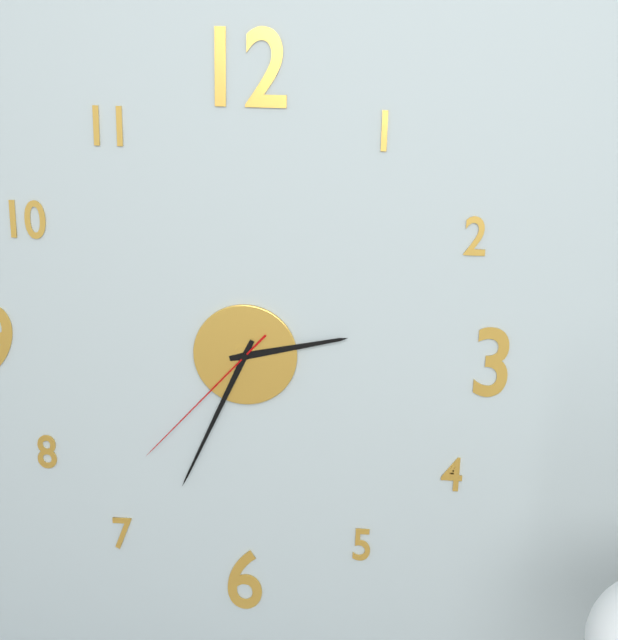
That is 2:34:37
